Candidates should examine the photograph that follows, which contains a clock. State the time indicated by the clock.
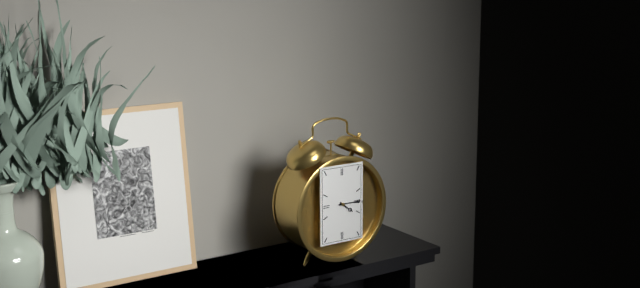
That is 4:15
